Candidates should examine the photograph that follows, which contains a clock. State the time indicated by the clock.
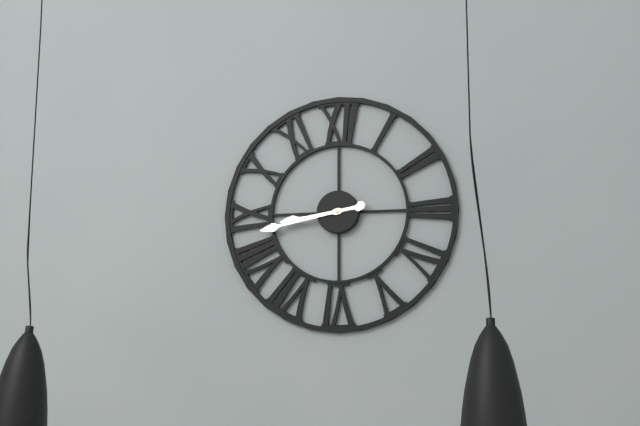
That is 8:43
